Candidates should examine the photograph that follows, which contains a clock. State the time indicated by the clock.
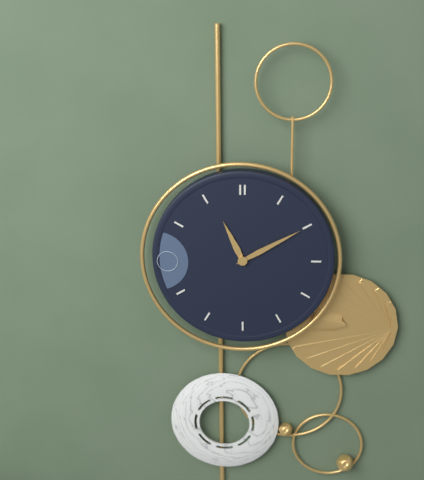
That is 11:10
